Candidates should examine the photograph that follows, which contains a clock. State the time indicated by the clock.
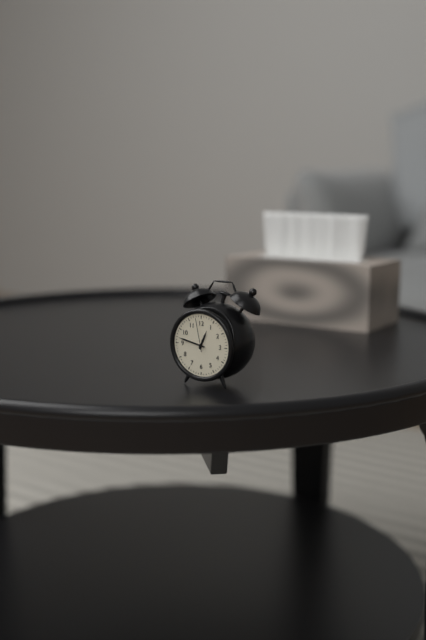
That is 12:47
